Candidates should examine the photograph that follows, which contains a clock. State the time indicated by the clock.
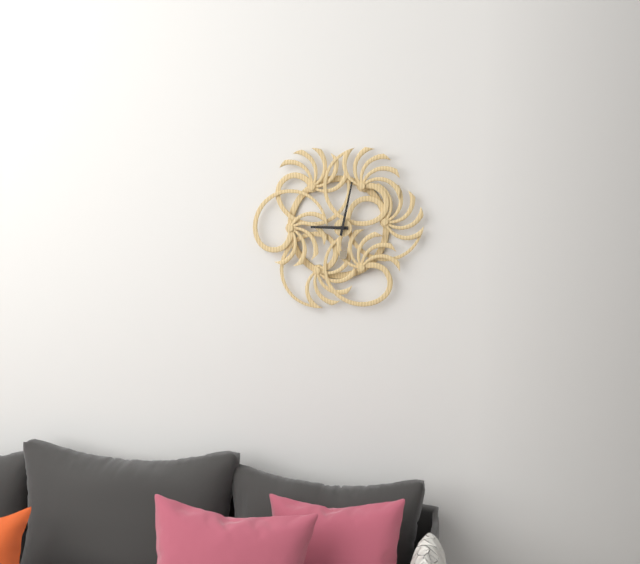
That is 9:02
